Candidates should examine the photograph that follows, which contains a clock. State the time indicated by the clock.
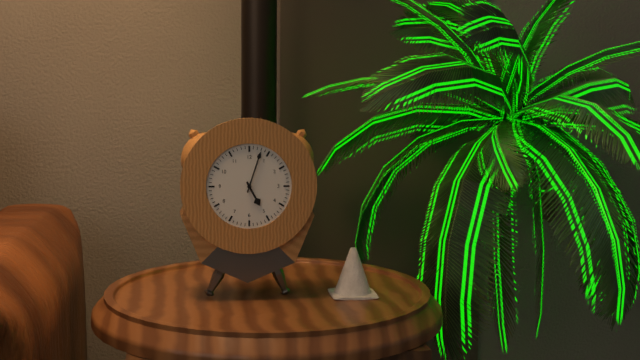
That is 5:03
